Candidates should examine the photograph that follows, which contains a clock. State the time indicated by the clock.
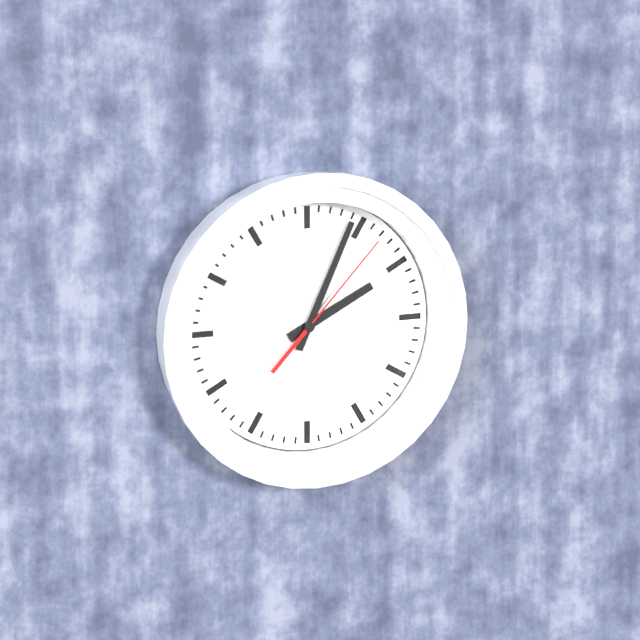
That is 2:04:07
